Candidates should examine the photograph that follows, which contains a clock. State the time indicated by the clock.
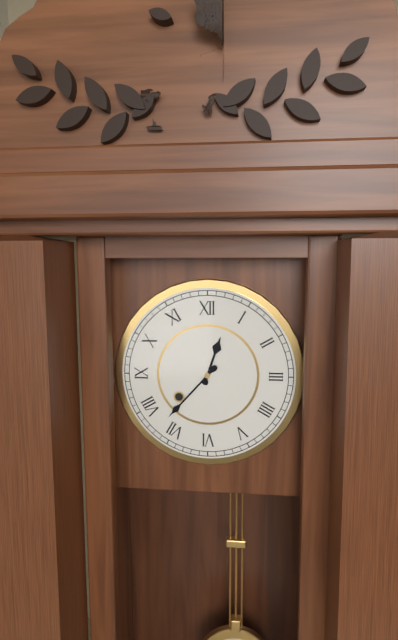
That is 12:37
